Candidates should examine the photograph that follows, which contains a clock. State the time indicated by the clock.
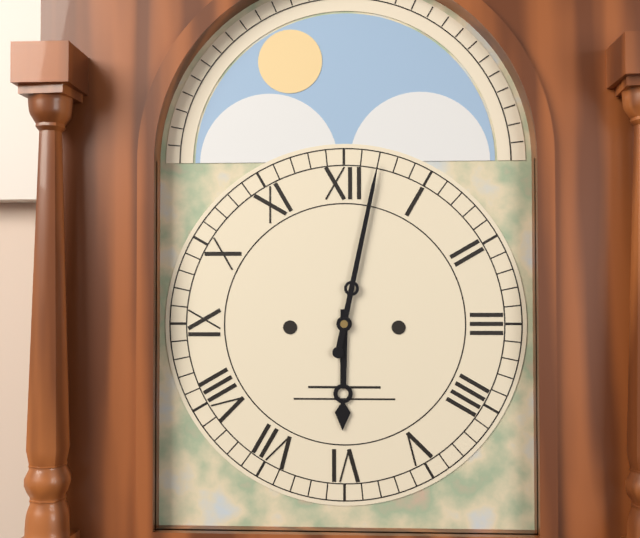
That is 6:02
